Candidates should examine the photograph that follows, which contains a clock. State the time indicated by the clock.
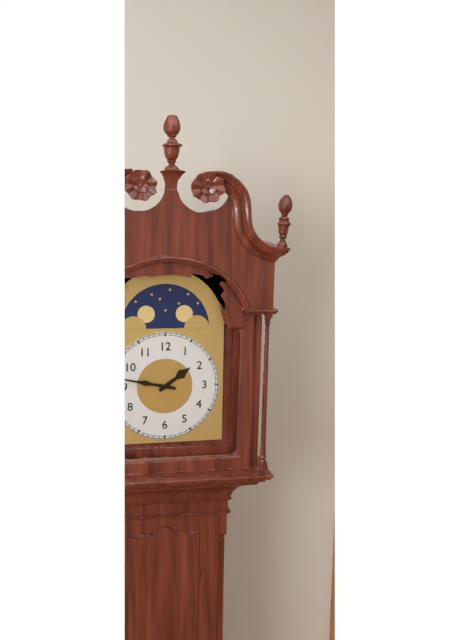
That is 1:47
